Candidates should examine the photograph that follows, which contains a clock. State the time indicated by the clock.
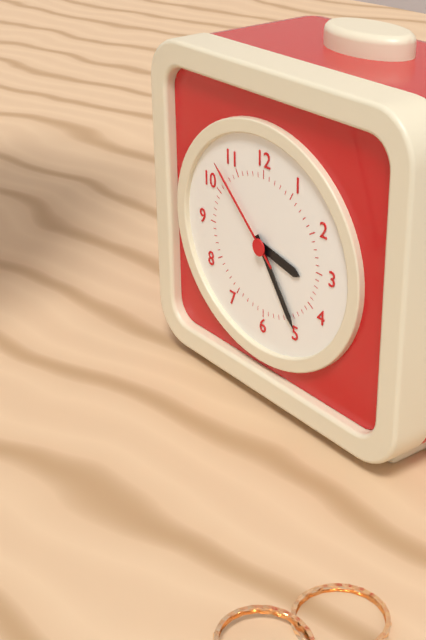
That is 3:24:52
